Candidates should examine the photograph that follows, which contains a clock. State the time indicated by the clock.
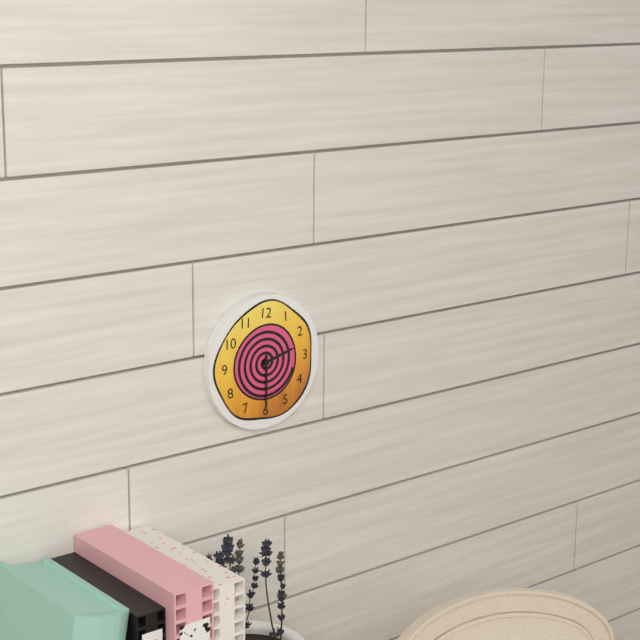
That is 2:30
